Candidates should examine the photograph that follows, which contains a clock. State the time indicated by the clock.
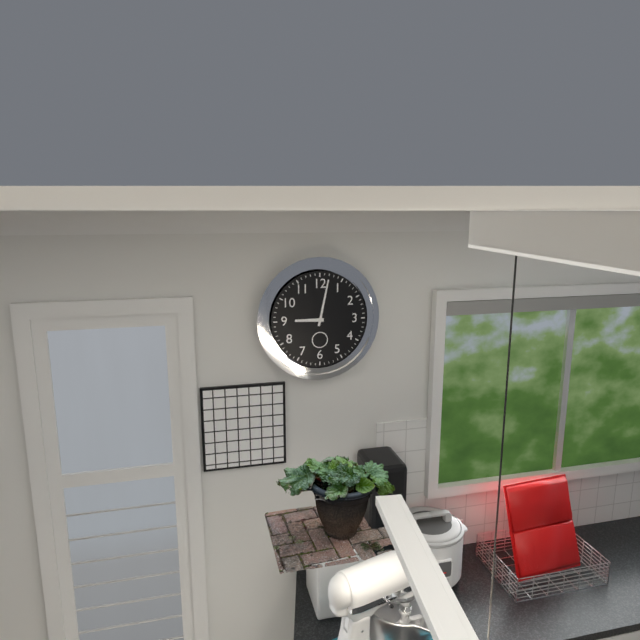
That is 9:02
